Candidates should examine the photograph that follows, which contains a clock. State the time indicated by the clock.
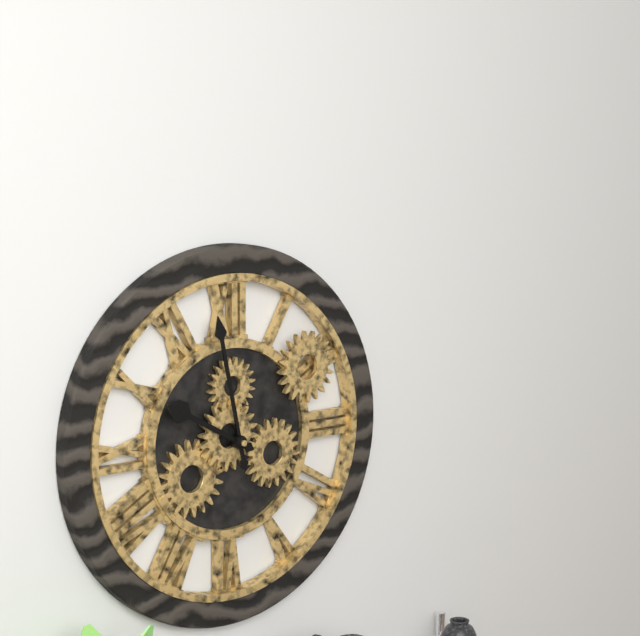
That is 9:58
